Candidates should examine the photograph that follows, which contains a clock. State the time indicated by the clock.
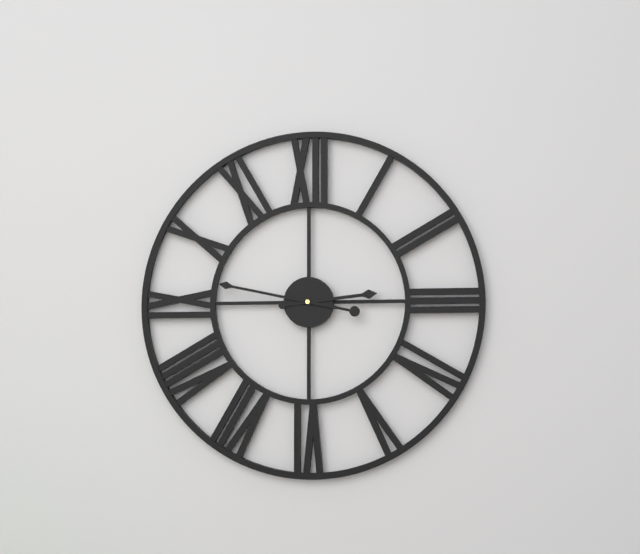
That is 2:47
